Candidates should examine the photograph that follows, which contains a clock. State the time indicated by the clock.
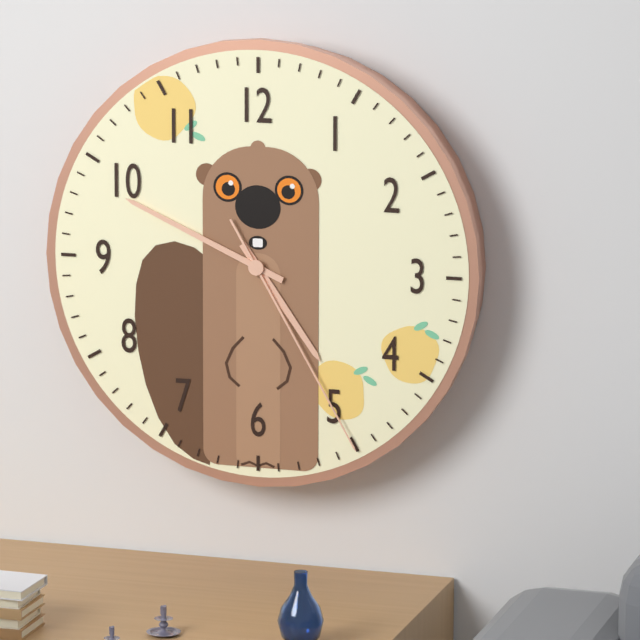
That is 4:49:25
